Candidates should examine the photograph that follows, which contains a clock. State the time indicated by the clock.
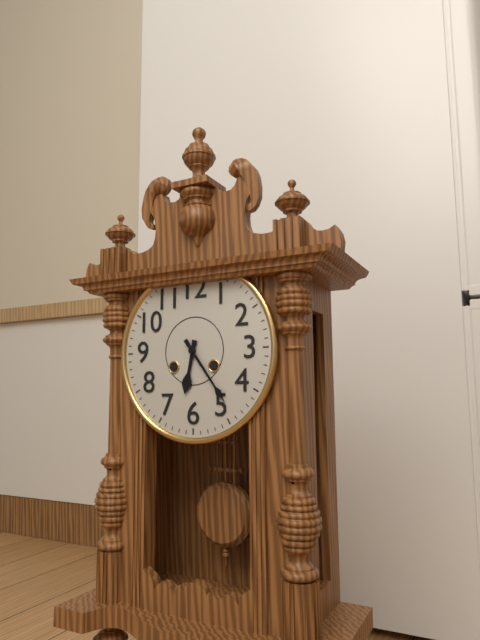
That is 6:24
